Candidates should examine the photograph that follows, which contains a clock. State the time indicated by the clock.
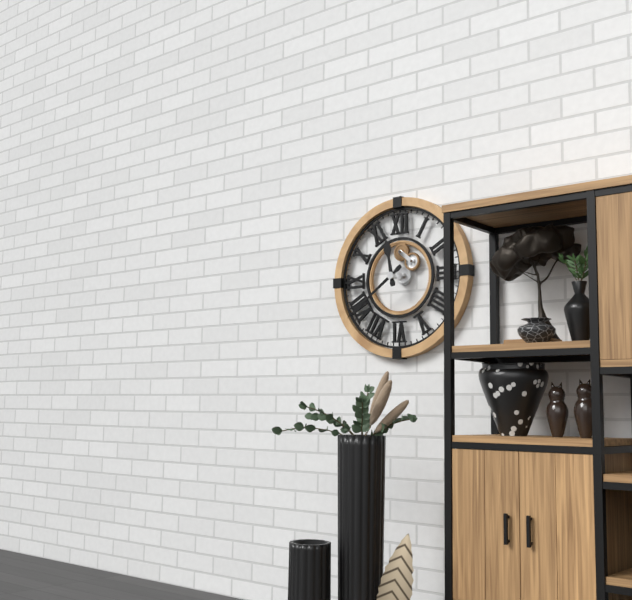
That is 11:39
